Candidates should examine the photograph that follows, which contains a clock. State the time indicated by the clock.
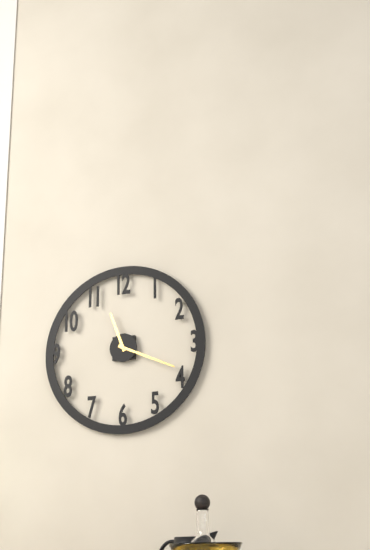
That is 11:19
